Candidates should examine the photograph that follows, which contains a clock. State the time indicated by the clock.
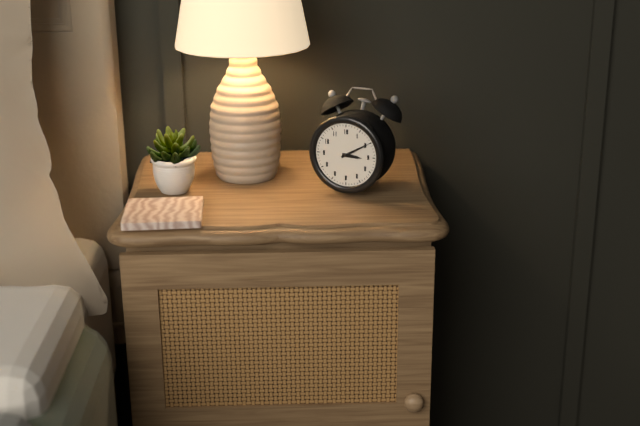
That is 3:10
